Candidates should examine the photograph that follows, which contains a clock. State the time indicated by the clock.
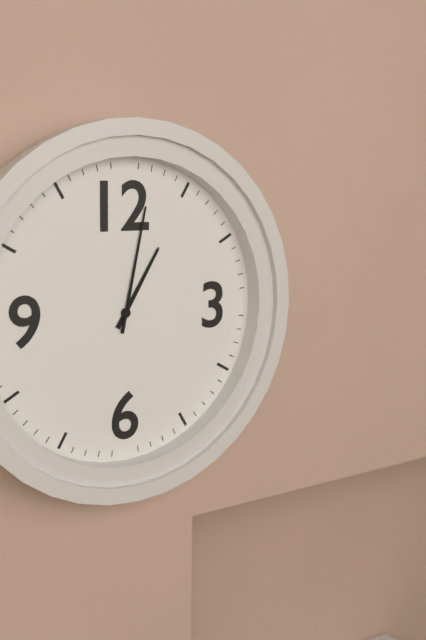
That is 1:02
